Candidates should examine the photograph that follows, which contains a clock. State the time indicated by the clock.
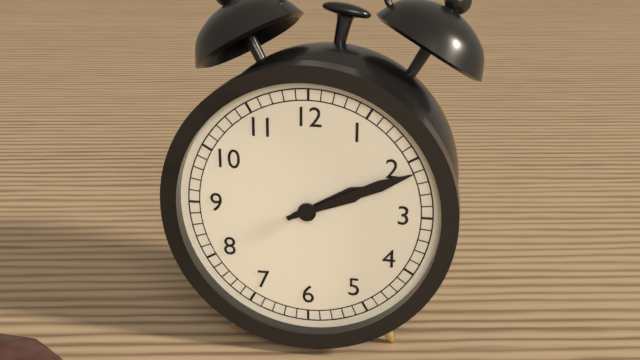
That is 2:11
